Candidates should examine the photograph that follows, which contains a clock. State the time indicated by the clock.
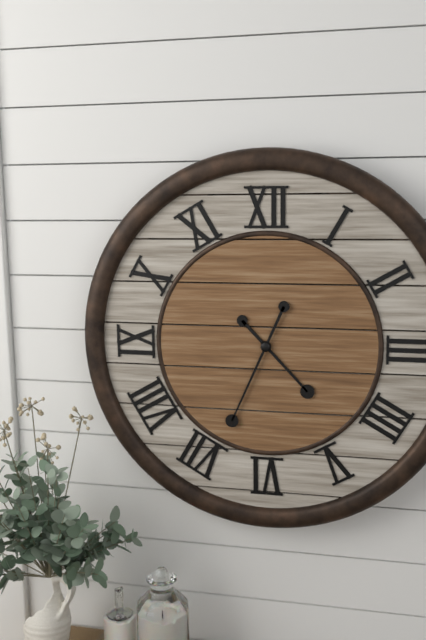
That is 4:34
